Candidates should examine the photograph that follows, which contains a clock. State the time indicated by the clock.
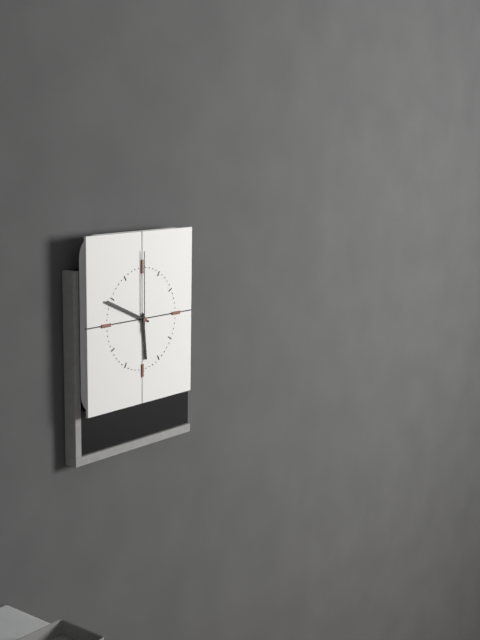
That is 5:49:00
